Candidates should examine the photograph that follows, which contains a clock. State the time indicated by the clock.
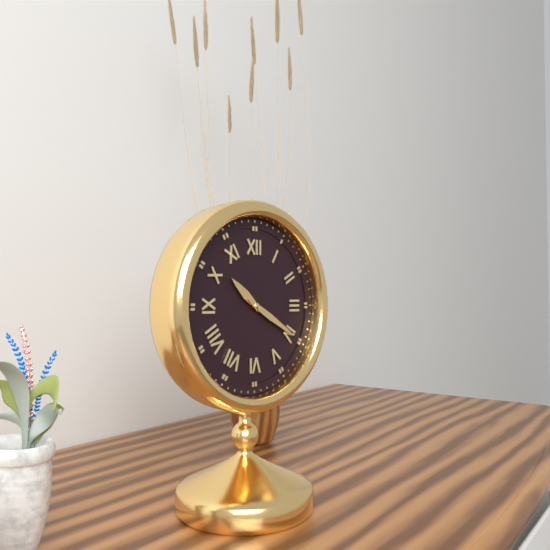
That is 10:20
